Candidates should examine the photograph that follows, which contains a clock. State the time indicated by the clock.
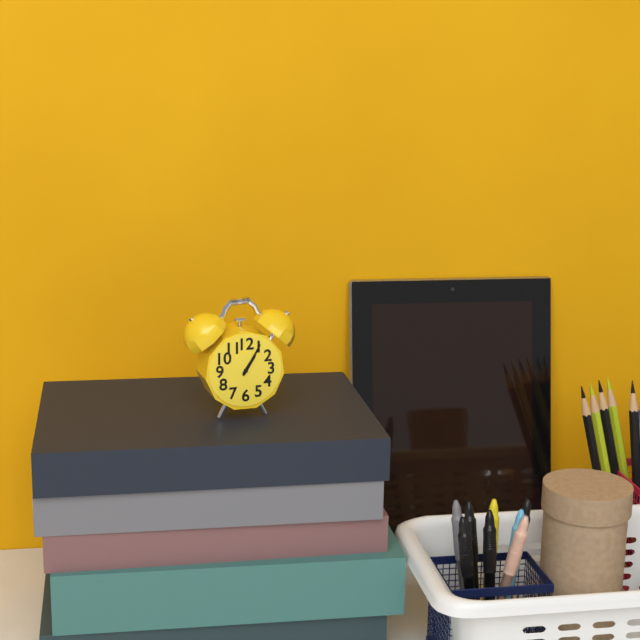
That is 1:05
